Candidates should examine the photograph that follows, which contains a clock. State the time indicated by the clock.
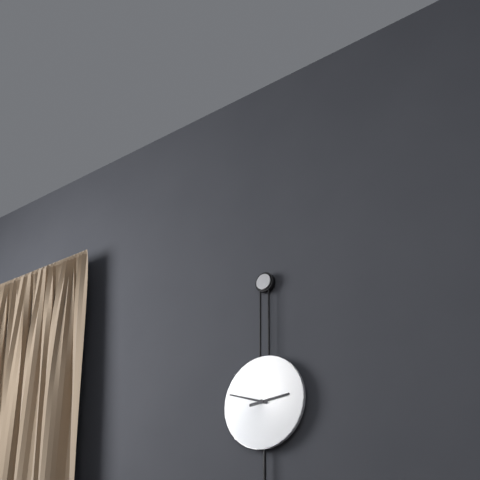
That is 2:48
